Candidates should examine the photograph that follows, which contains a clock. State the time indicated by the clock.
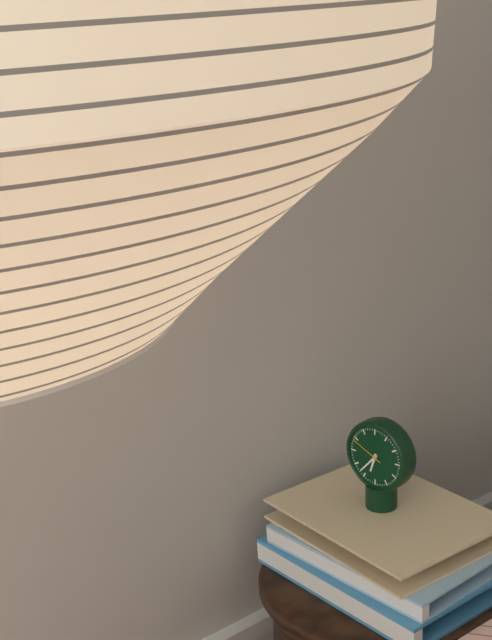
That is 6:37
